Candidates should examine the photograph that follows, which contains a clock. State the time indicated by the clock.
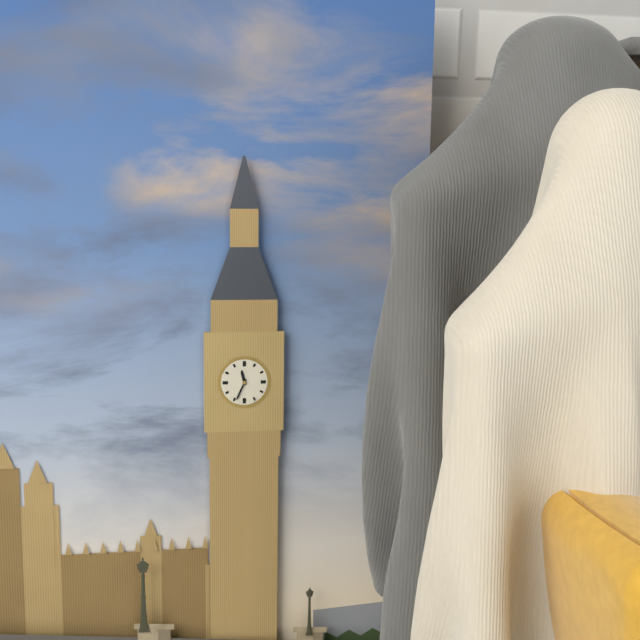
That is 11:34
